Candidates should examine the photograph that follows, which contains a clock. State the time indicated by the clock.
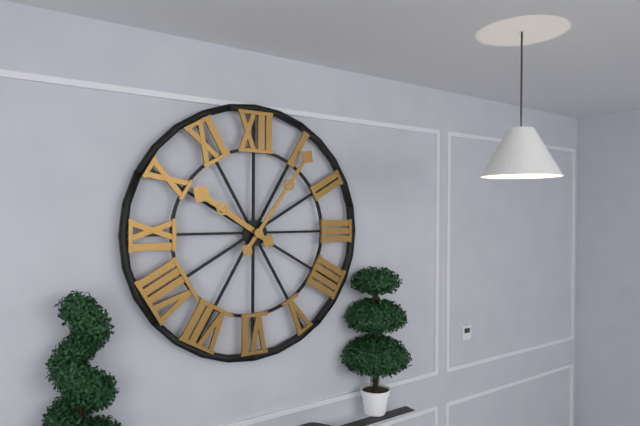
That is 10:06
